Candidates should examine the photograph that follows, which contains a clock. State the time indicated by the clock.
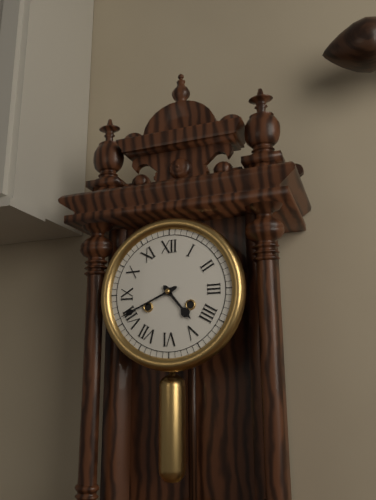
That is 4:41
